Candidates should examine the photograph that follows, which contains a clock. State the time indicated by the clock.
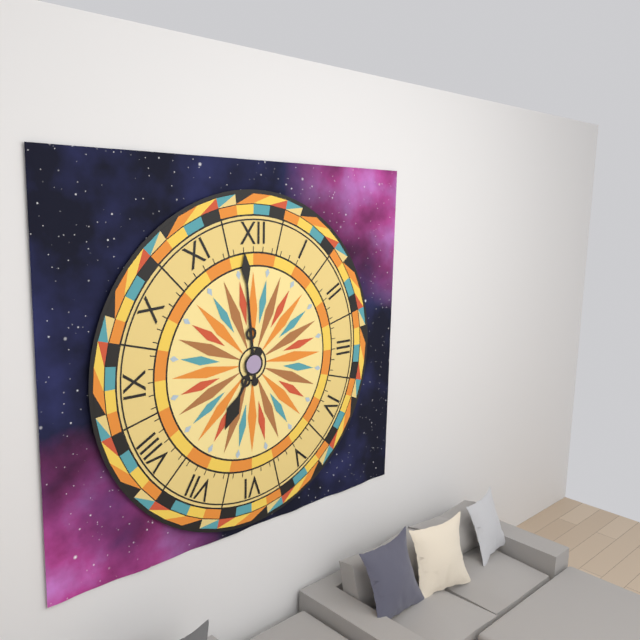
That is 6:59
